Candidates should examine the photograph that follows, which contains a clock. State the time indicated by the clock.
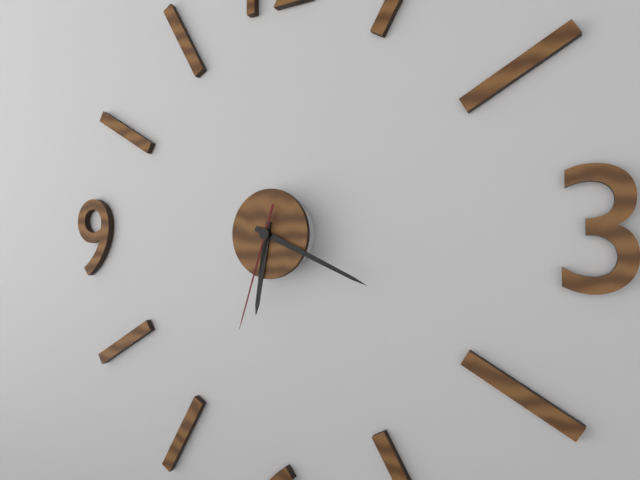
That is 6:19:33
